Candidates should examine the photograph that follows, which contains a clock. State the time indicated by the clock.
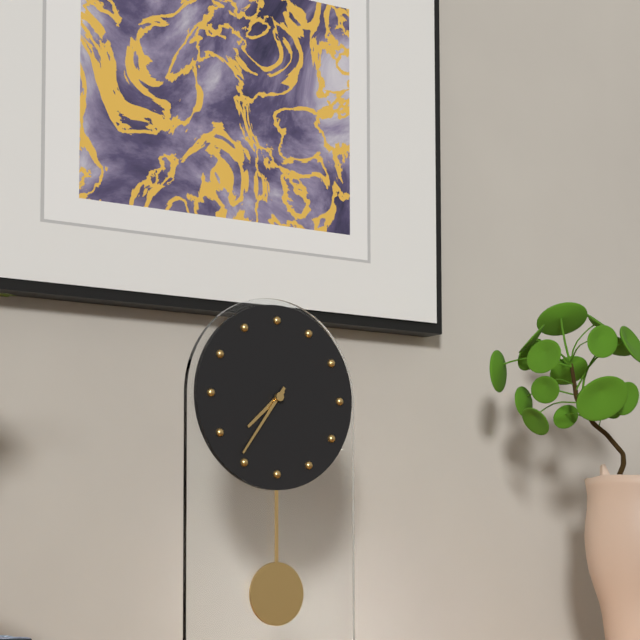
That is 7:36
